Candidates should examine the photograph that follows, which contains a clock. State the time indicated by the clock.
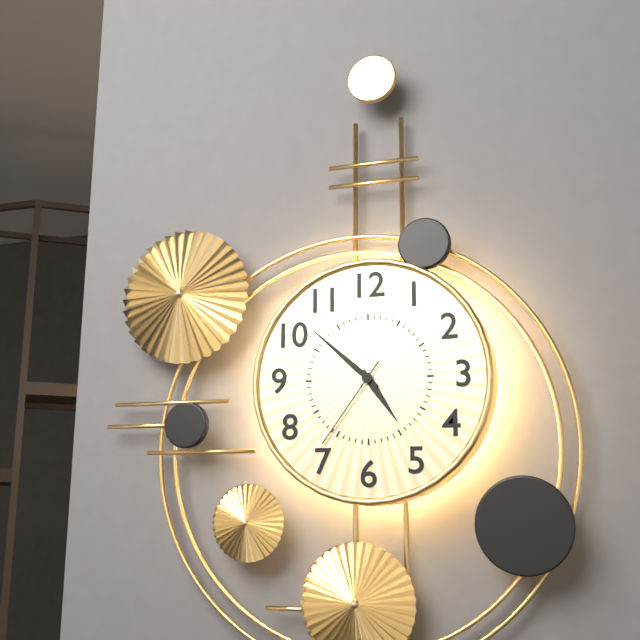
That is 4:52:36
